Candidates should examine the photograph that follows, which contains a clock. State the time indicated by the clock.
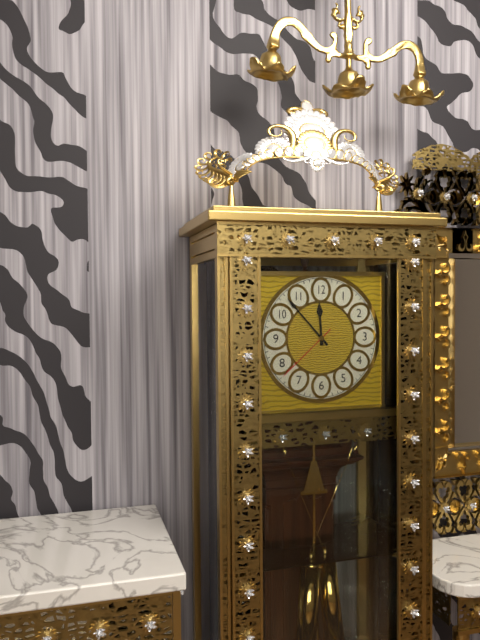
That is 11:53:38
